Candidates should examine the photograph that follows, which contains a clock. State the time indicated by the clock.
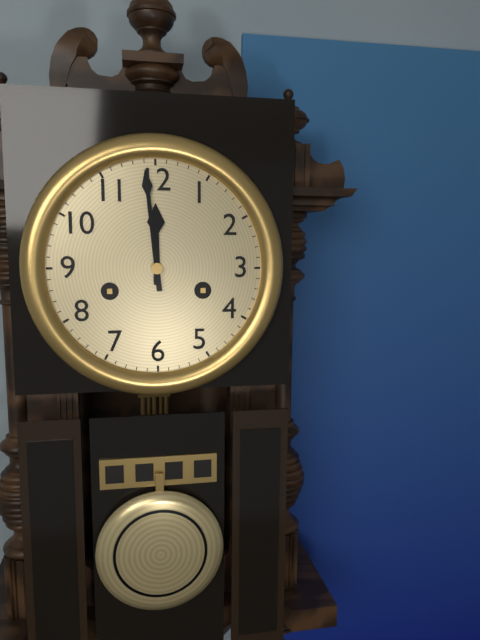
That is 11:59
